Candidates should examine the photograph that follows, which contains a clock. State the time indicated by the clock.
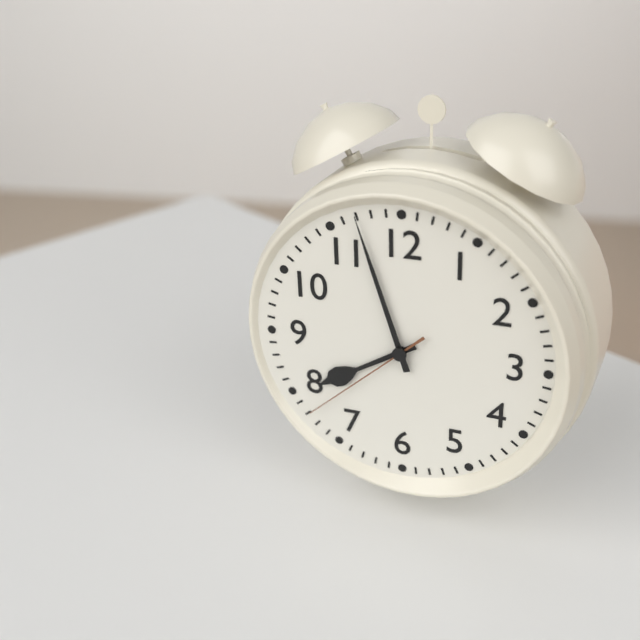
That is 7:57:38
